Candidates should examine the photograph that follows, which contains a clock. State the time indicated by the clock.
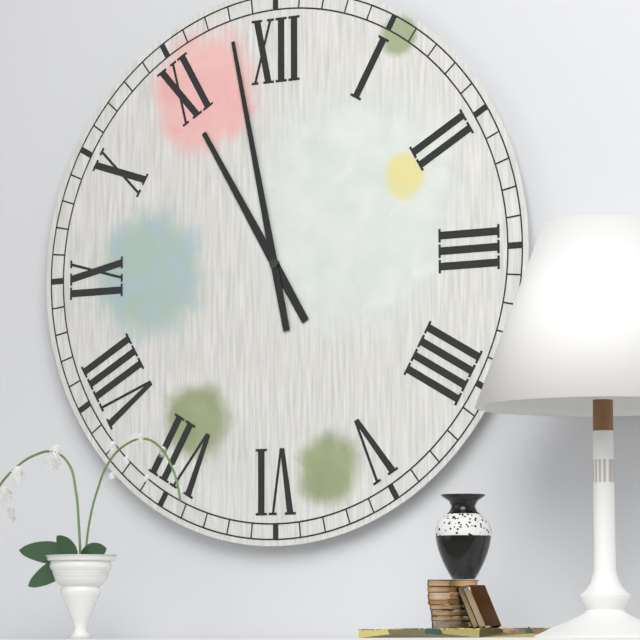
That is 10:58
